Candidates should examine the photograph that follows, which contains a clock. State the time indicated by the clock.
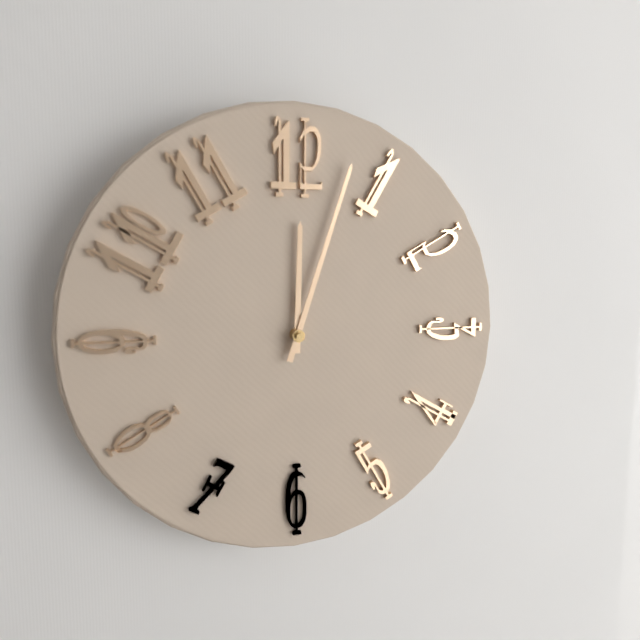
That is 12:03
